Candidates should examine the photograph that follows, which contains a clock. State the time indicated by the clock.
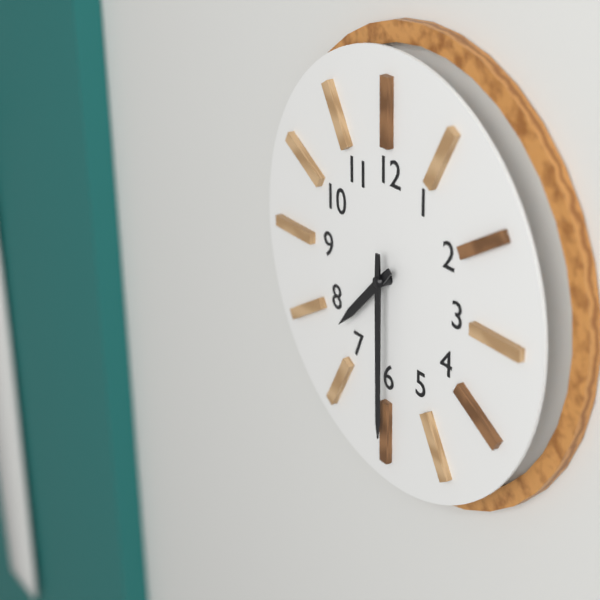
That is 7:30
